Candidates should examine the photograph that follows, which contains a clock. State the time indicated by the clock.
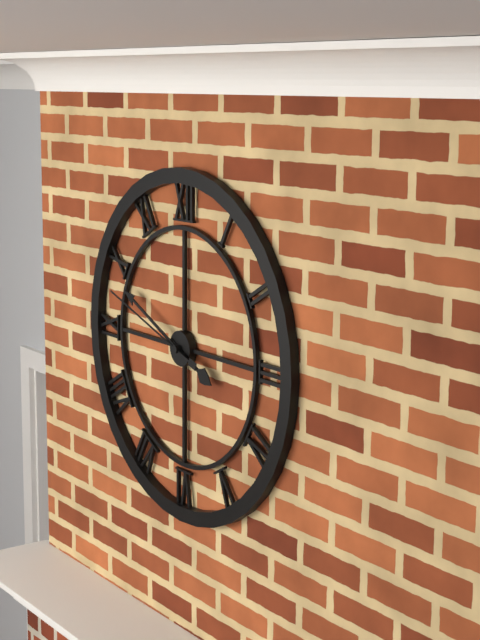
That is 3:49:48
